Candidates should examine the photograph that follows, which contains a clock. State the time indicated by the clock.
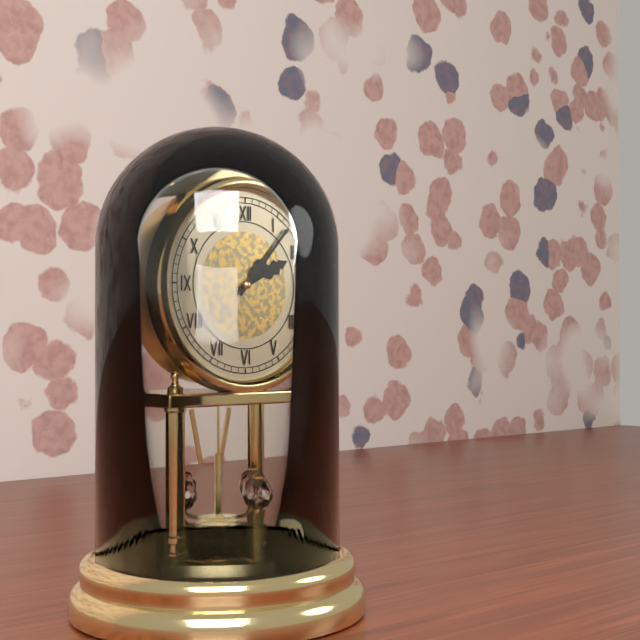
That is 2:07
